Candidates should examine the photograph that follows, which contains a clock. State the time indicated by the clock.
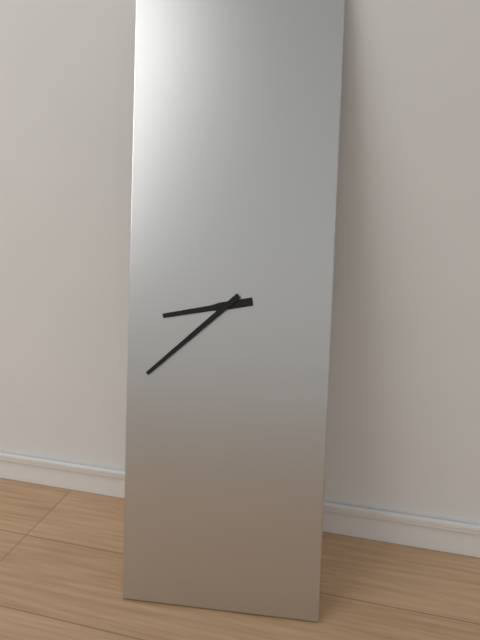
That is 8:38
